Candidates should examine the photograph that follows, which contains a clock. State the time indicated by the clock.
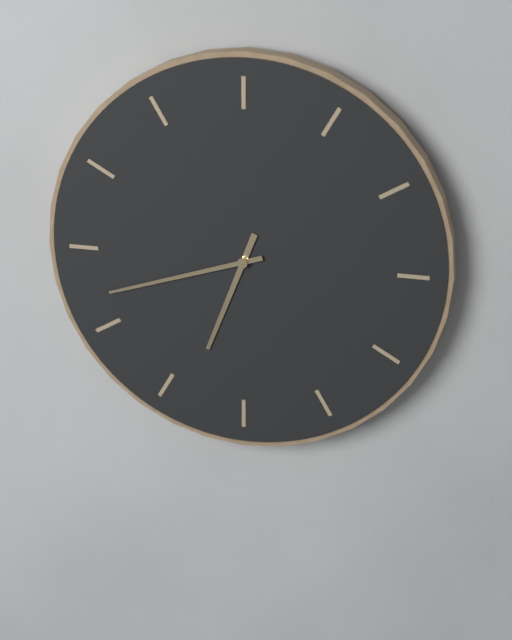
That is 6:42
